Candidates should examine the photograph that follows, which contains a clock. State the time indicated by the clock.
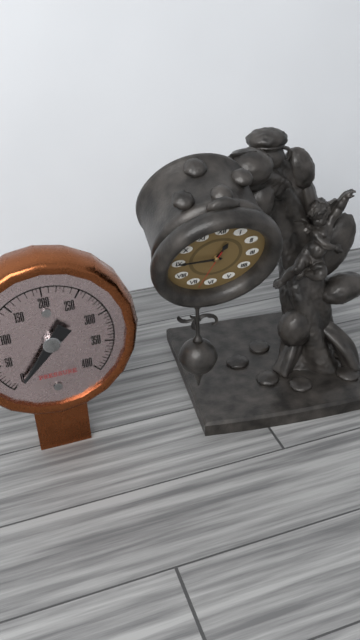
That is 12:45
